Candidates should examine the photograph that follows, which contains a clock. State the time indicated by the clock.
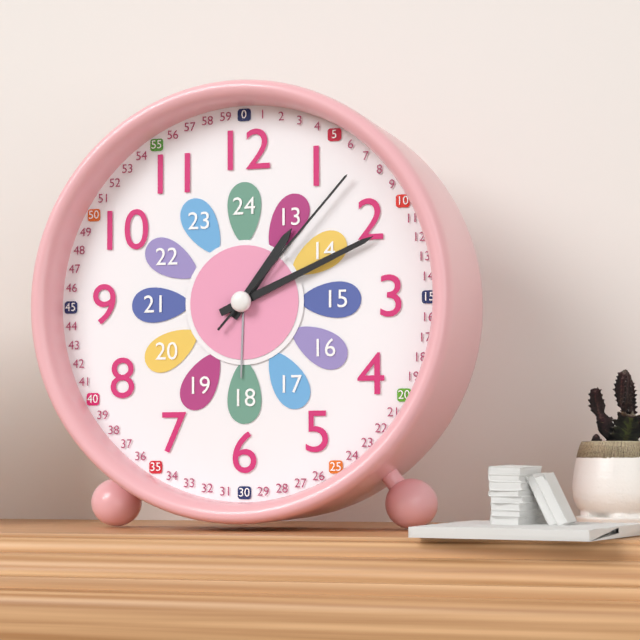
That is 1:11:07
